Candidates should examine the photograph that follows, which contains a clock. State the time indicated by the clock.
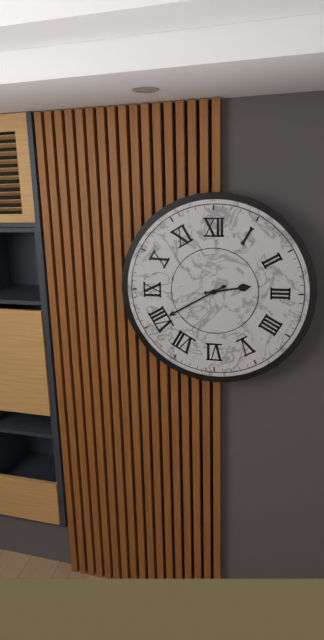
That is 2:40
